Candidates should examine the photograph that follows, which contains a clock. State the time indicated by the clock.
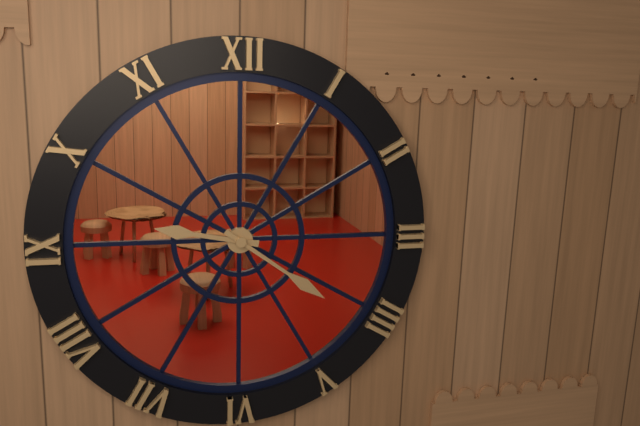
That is 9:21
